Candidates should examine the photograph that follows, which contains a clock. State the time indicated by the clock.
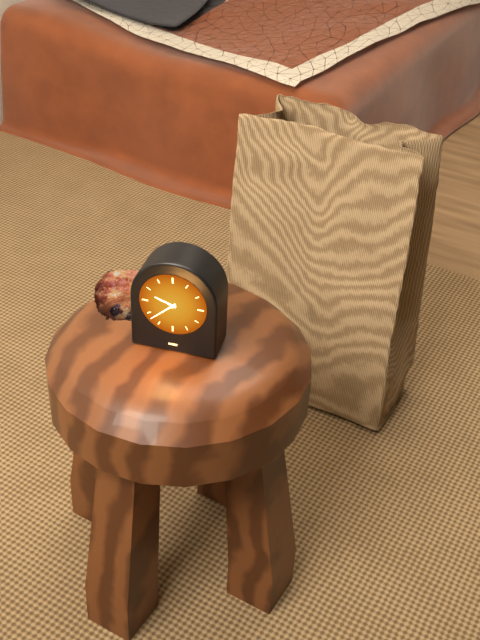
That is 9:38
